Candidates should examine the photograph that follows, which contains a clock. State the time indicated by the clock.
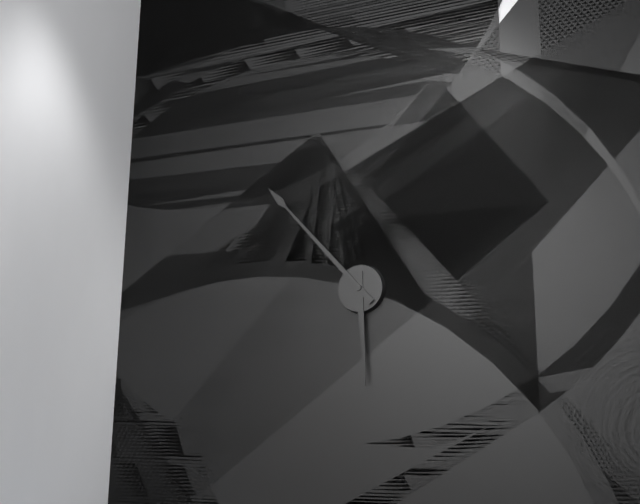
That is 5:53
